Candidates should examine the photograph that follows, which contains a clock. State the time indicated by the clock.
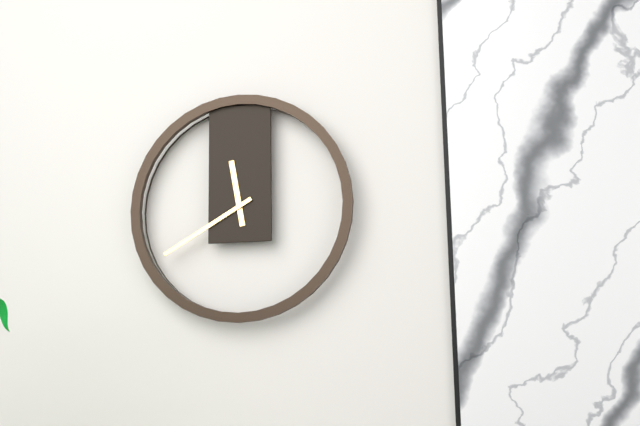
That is 11:40
